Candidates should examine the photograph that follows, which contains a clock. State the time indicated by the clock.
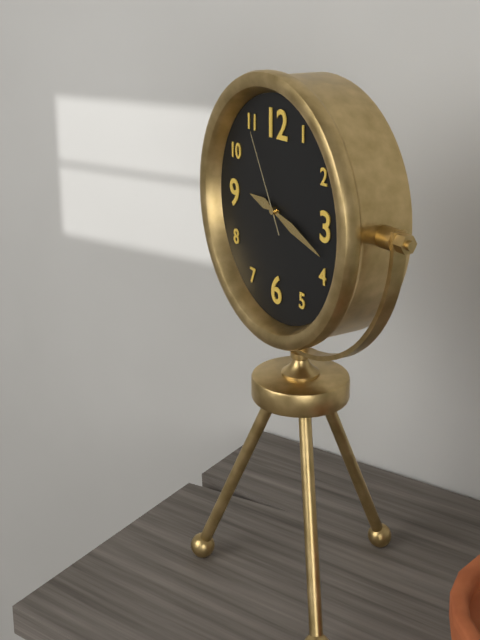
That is 9:18:55
